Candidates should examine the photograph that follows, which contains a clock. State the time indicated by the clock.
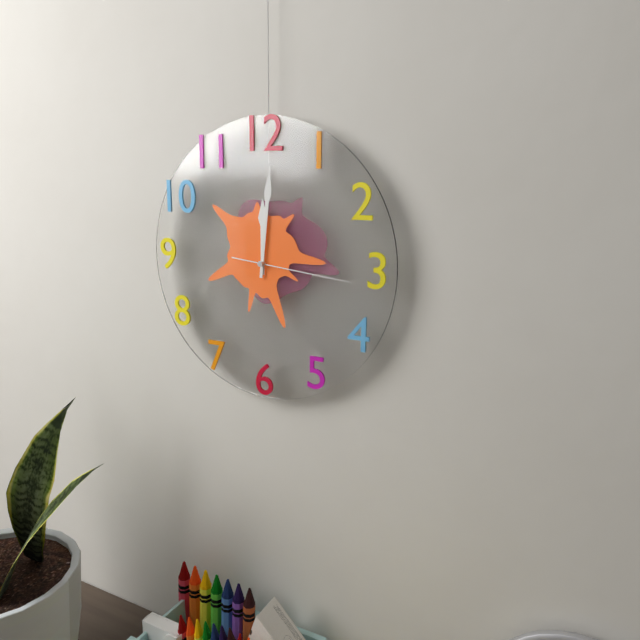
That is 12:01:16
